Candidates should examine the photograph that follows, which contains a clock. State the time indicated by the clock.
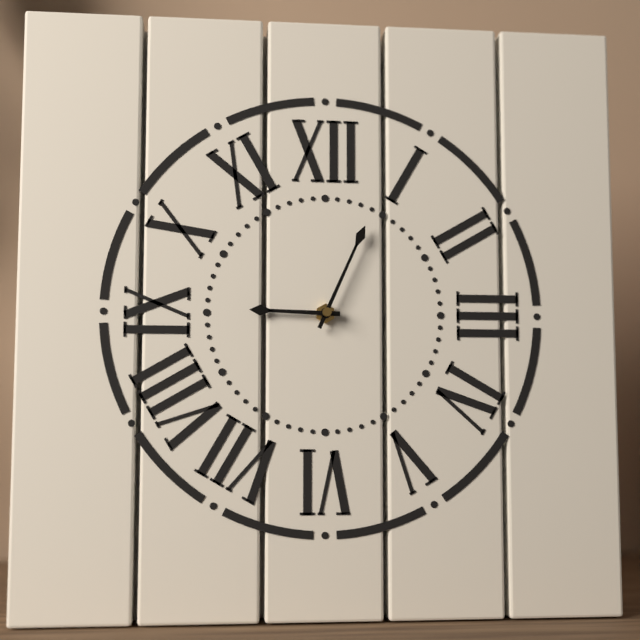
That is 9:04
